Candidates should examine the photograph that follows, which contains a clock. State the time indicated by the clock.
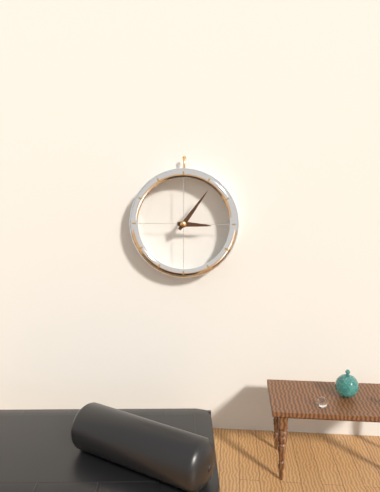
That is 3:06
